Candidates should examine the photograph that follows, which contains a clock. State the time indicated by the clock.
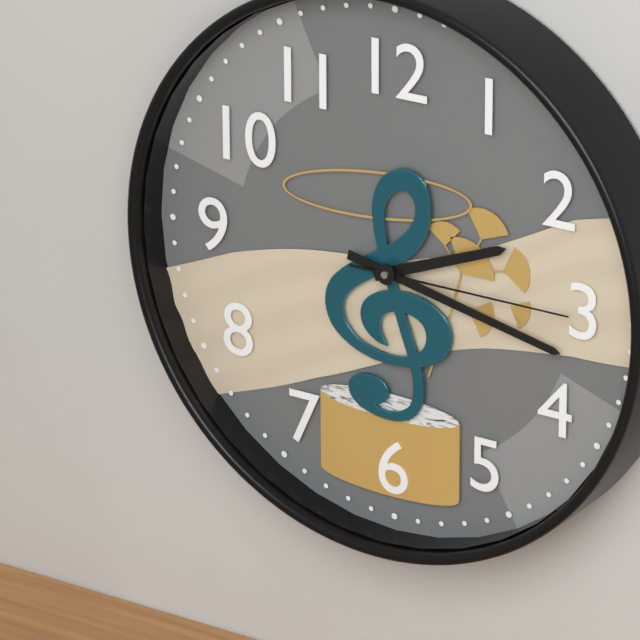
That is 2:17:15
